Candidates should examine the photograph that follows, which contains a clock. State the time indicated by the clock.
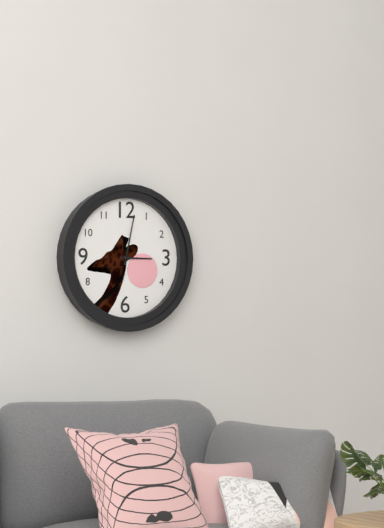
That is 3:02
